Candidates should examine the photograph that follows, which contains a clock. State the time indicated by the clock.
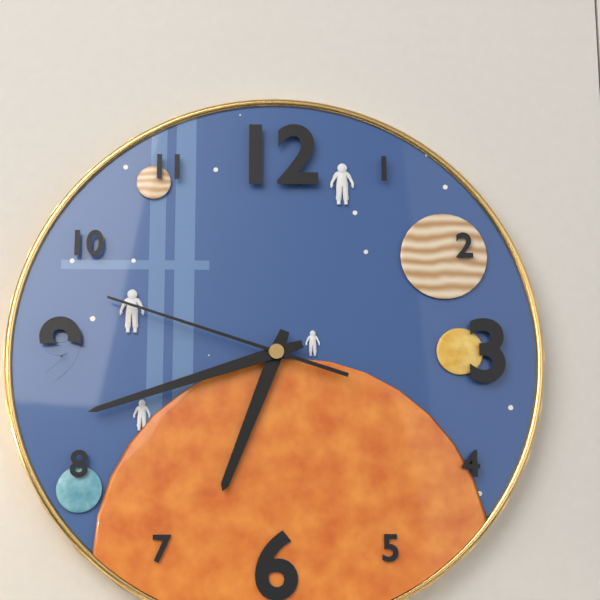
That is 6:42:48
